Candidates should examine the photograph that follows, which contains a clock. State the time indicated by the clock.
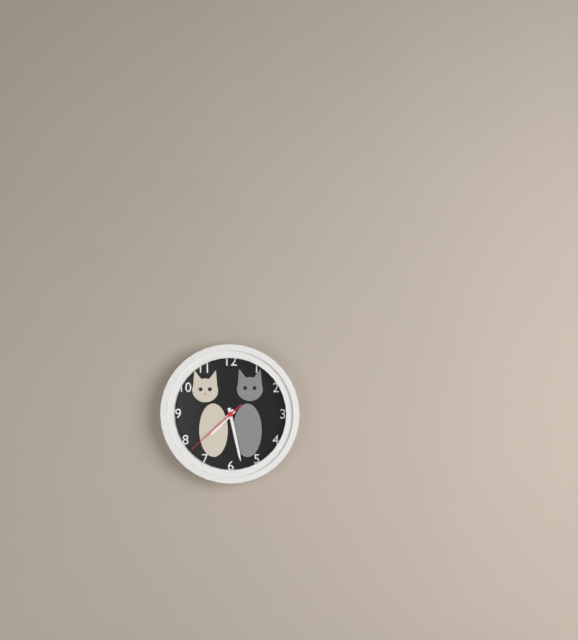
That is 7:28:38
